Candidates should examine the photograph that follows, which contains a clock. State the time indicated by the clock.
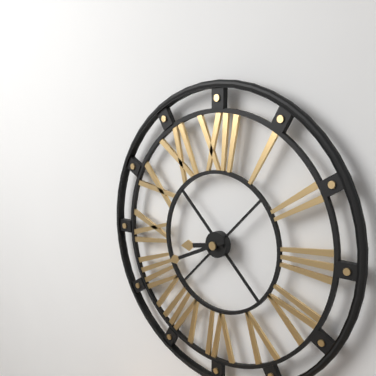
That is 8:41
